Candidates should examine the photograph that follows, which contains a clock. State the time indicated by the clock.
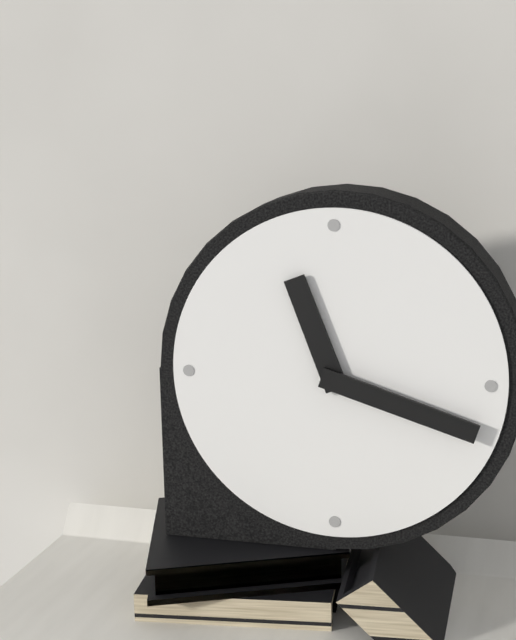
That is 11:18
